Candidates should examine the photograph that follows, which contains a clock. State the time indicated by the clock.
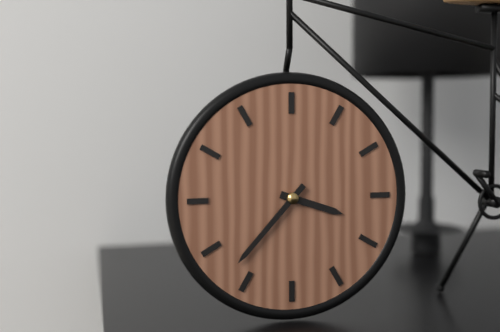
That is 3:37
